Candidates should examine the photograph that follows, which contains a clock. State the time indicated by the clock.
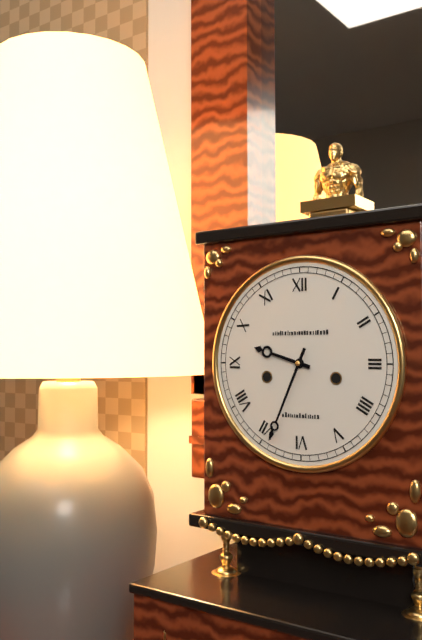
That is 9:34
